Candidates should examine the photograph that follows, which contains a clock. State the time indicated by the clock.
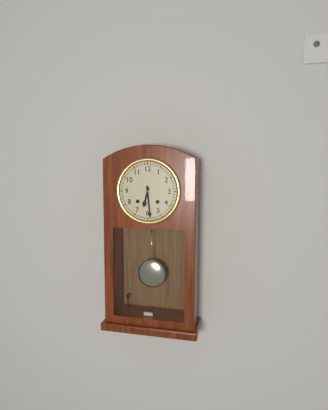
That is 6:29
